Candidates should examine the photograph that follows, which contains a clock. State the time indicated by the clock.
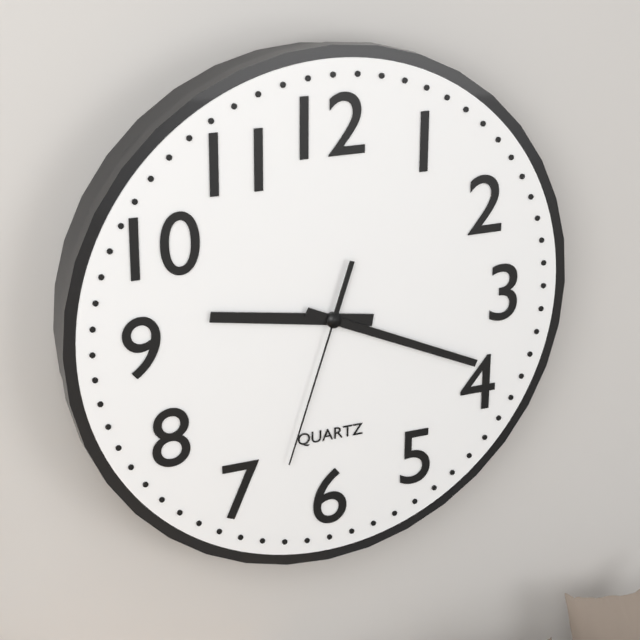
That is 9:19:33
